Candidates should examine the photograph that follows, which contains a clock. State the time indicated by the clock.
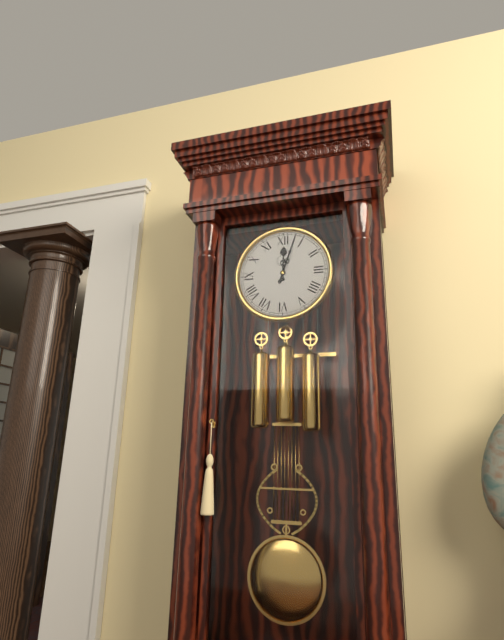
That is 12:03
